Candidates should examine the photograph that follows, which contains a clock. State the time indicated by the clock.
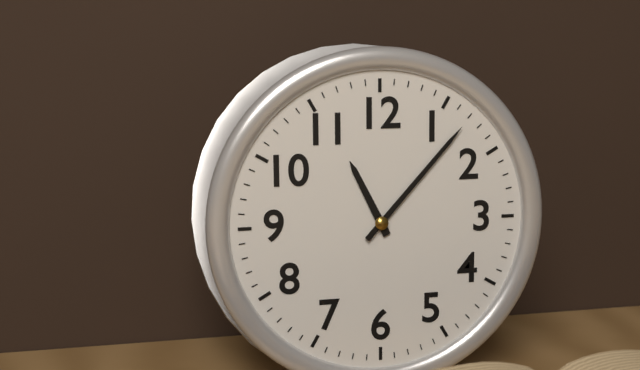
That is 11:07
